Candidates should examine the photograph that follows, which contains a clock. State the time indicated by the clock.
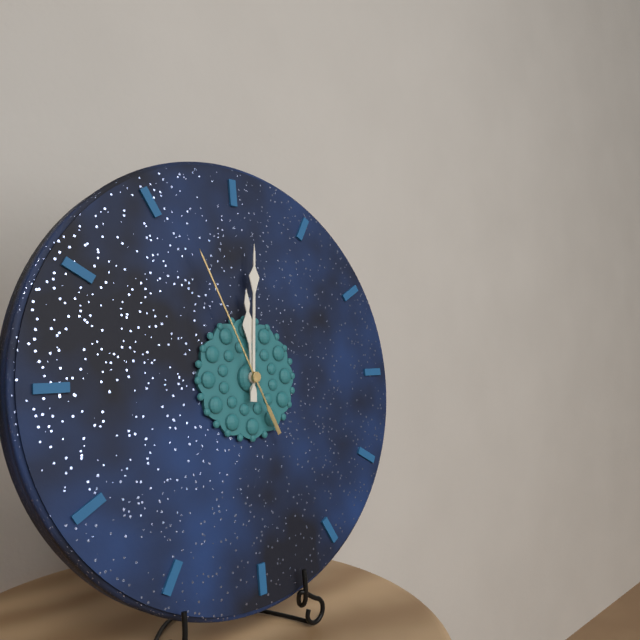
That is 12:01:56
